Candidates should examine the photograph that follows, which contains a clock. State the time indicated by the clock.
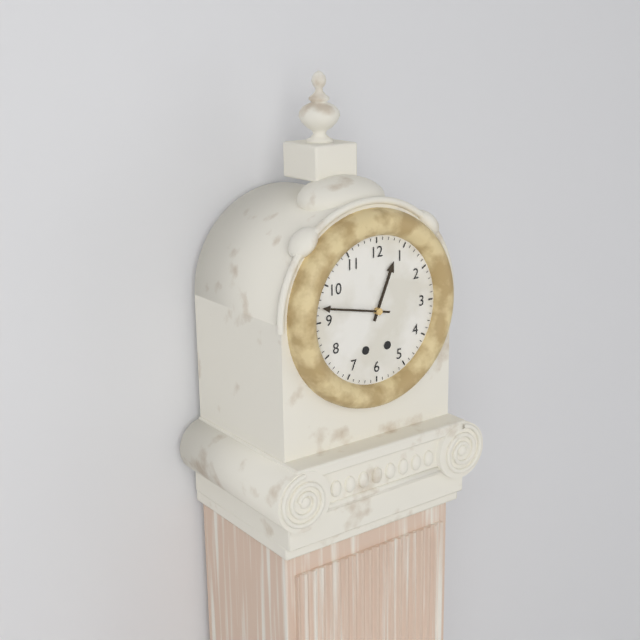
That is 12:47
